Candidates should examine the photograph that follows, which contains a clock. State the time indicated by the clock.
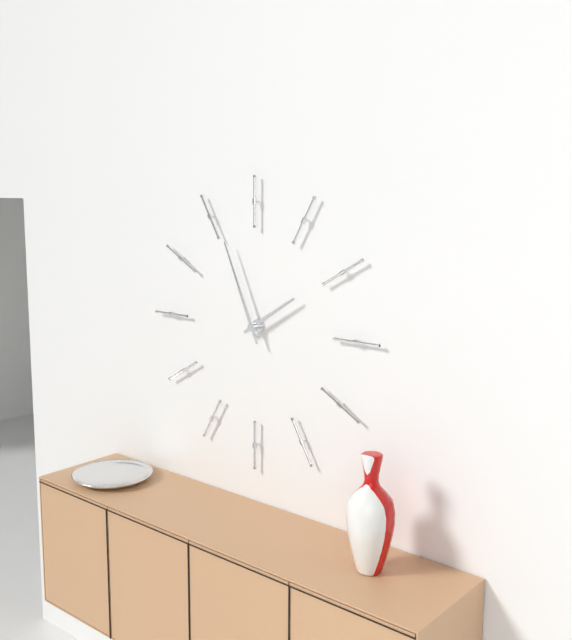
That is 1:56
